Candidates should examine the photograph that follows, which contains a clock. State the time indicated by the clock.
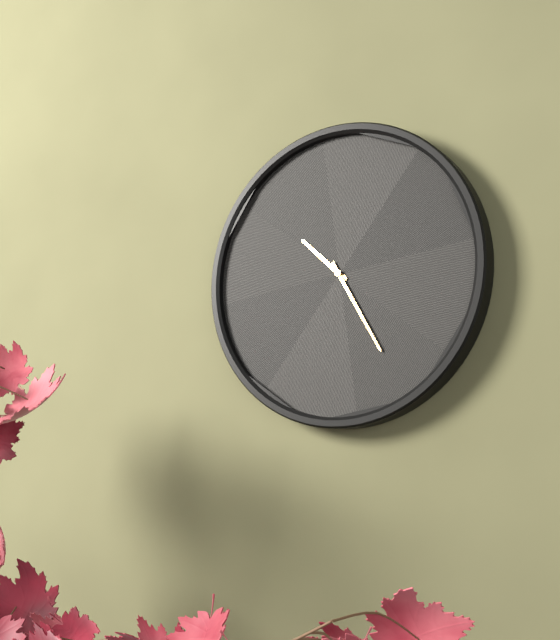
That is 10:25
